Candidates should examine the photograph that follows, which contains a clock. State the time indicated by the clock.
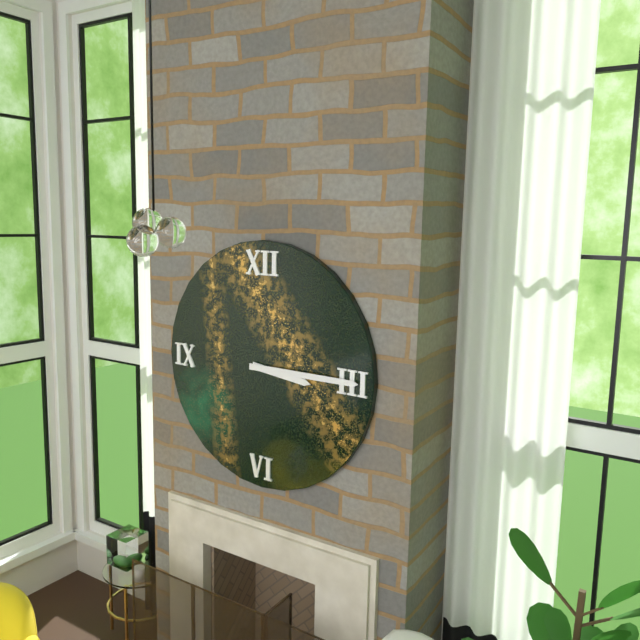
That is 3:15
